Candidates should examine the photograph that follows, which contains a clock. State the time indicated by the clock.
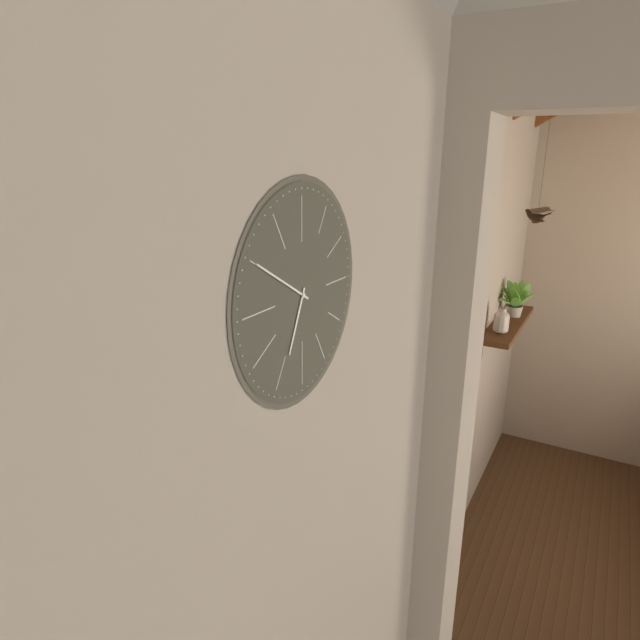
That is 6:50
